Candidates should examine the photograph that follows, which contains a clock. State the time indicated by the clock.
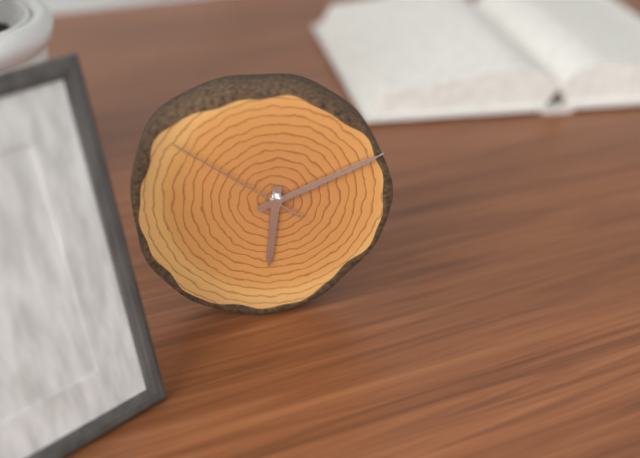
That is 6:11:51
